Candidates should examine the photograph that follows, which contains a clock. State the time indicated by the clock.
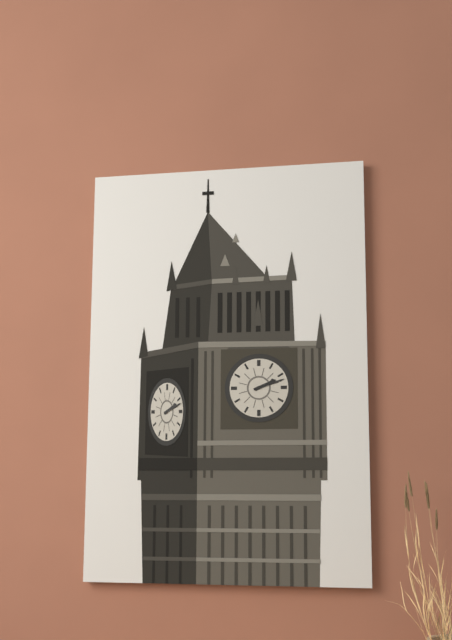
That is 2:12
